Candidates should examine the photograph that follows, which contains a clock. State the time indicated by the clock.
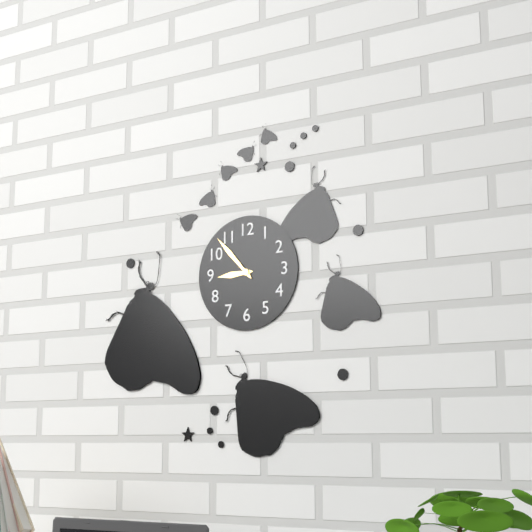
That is 8:53
